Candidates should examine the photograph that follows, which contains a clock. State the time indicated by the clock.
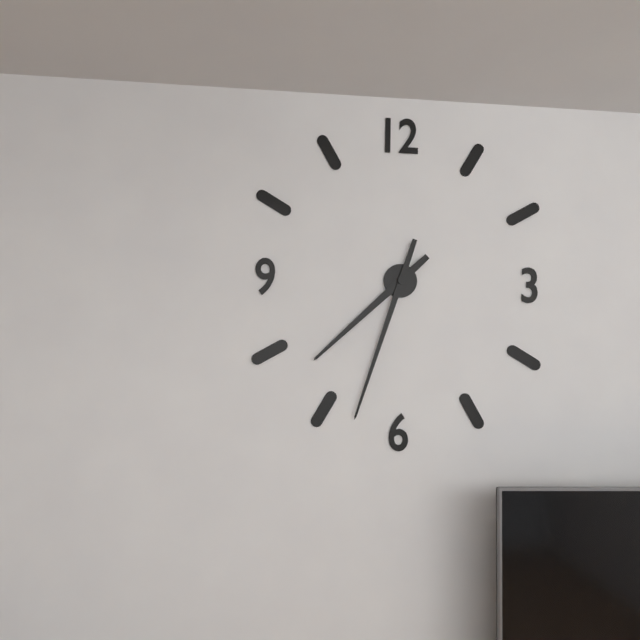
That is 7:33
